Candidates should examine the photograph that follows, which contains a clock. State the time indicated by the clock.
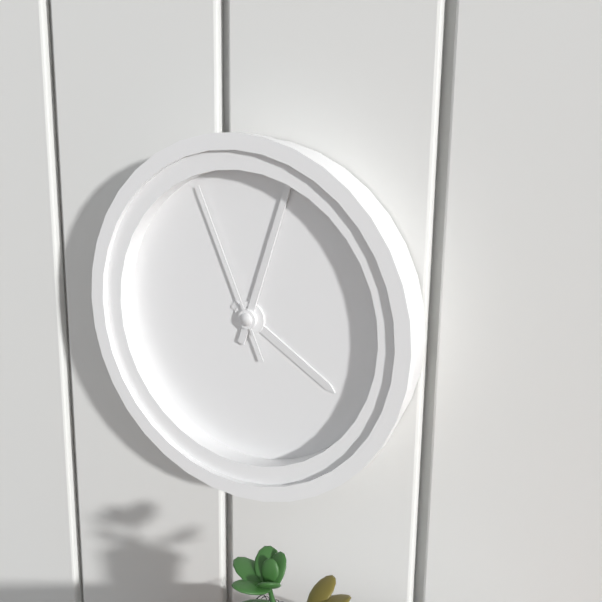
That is 4:03:56
